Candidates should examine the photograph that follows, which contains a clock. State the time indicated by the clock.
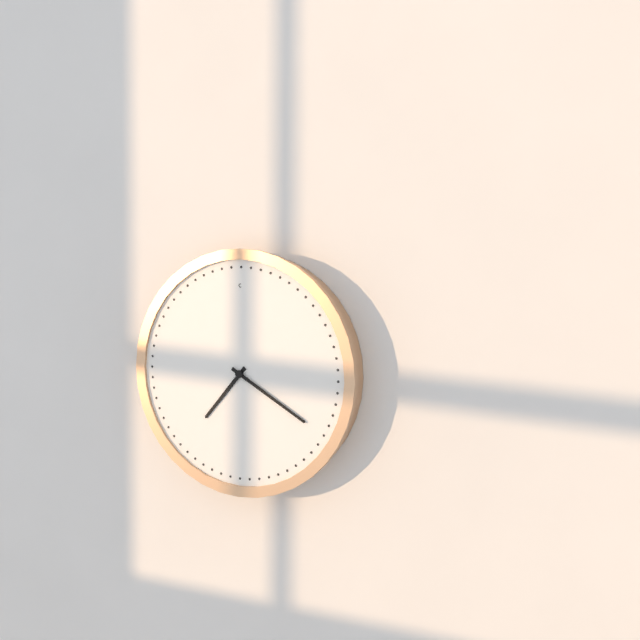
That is 7:20
